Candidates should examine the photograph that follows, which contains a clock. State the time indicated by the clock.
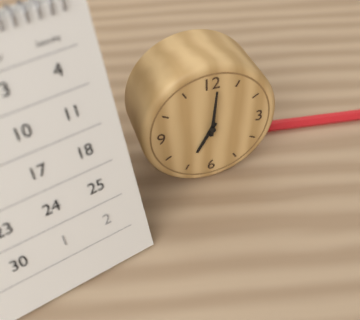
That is 7:01
